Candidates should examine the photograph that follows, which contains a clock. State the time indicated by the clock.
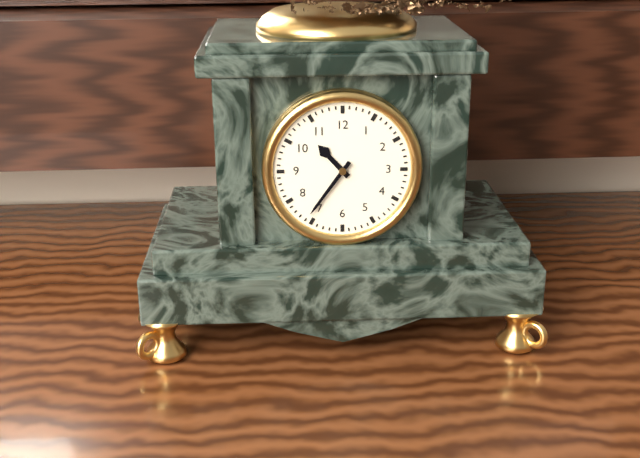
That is 10:36
